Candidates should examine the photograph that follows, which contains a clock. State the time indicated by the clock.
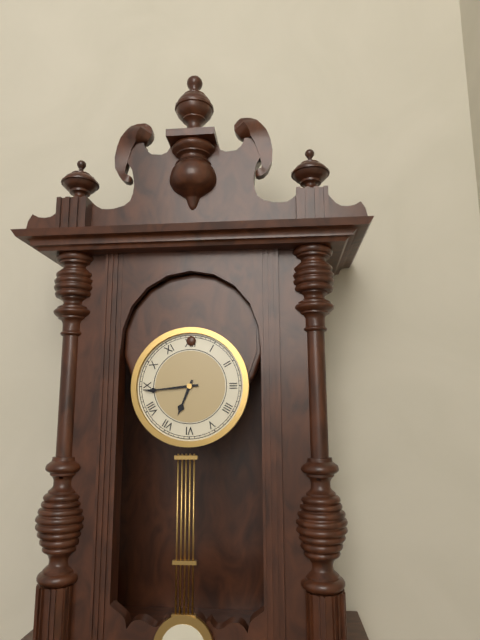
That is 6:44
